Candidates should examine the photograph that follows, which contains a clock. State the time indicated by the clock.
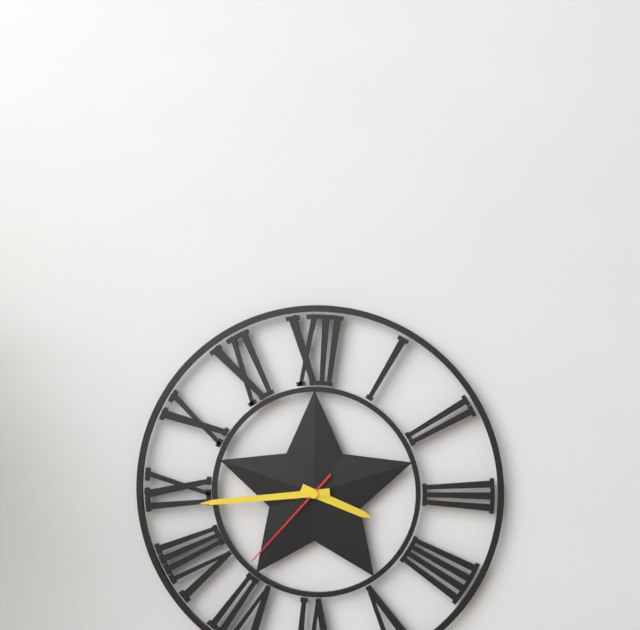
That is 3:44:37
